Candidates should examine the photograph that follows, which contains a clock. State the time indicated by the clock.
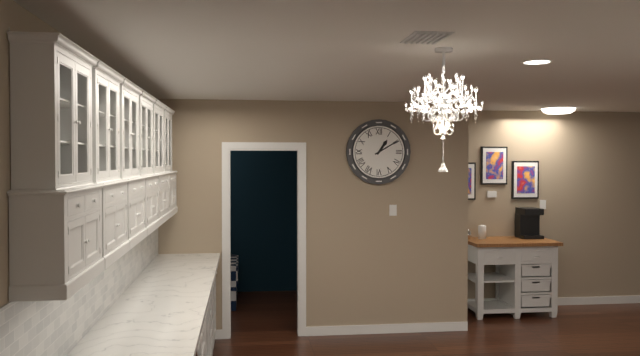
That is 1:10
